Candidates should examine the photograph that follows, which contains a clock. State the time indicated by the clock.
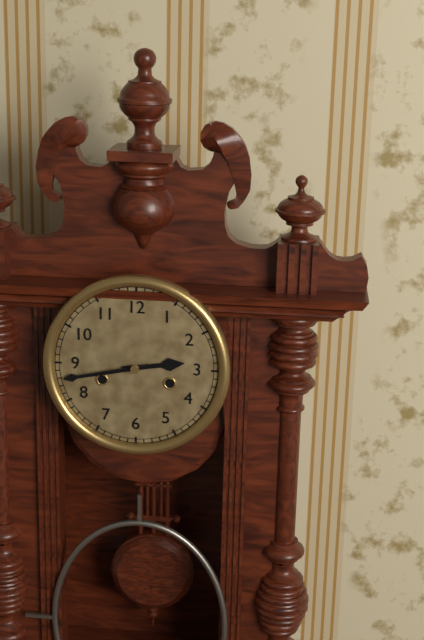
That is 2:43
